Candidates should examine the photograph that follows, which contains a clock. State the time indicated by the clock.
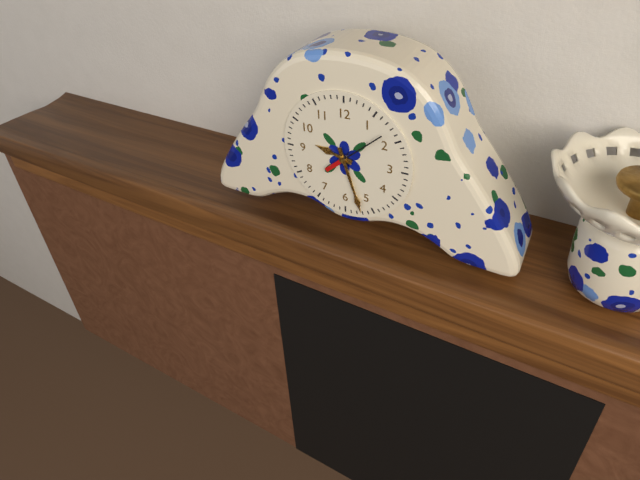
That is 9:27
